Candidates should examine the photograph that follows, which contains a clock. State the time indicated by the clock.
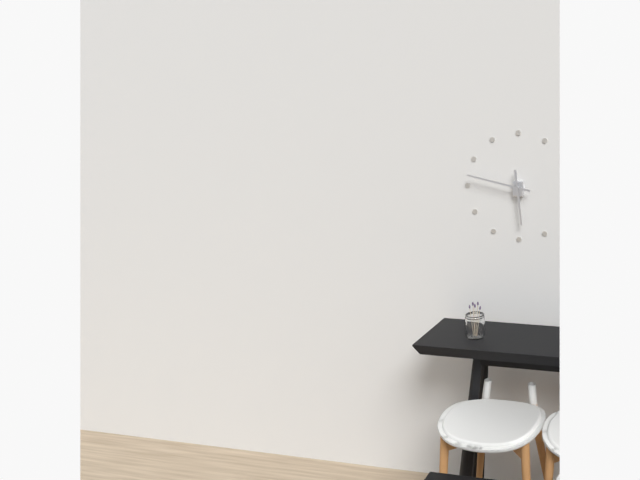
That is 5:47
